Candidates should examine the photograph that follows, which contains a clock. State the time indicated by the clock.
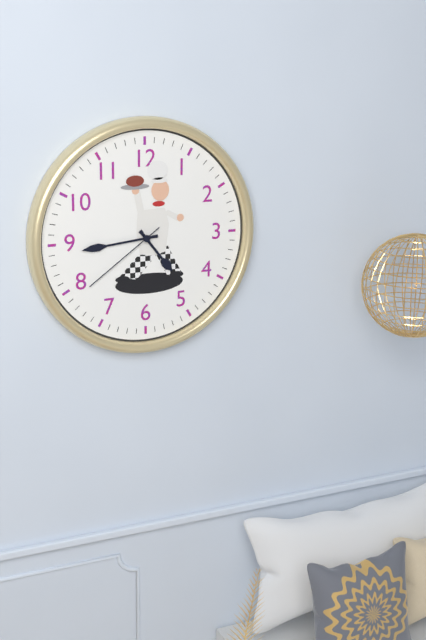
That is 4:44:39
